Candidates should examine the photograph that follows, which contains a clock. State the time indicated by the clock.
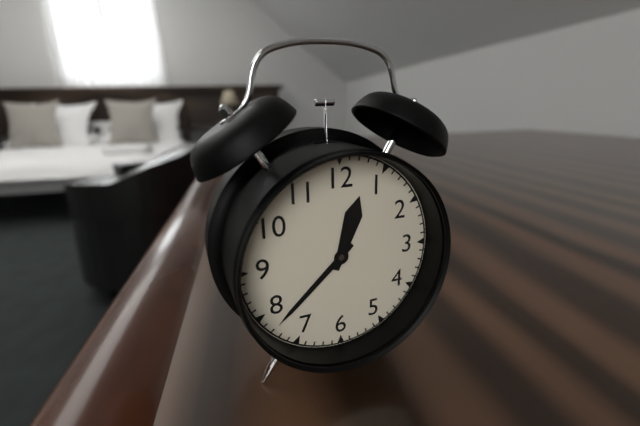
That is 12:38
